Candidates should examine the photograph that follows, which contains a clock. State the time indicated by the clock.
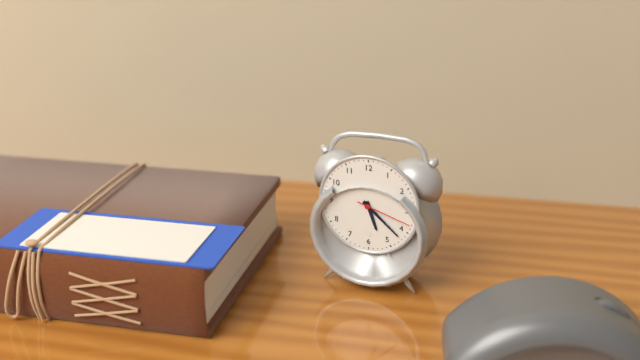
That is 5:22:18
